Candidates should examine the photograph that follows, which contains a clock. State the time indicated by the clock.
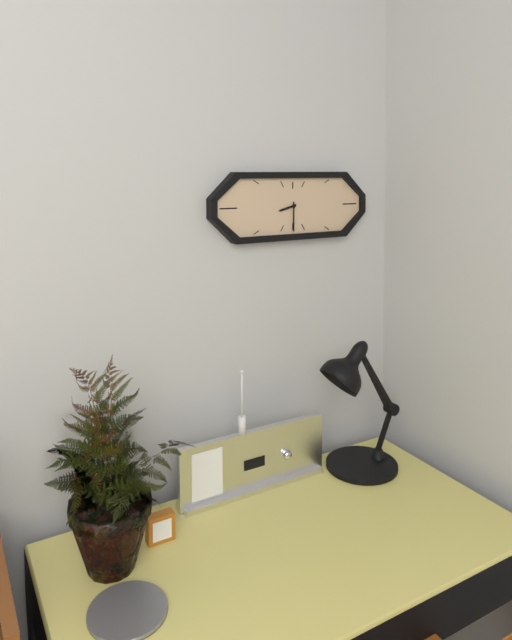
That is 8:30
